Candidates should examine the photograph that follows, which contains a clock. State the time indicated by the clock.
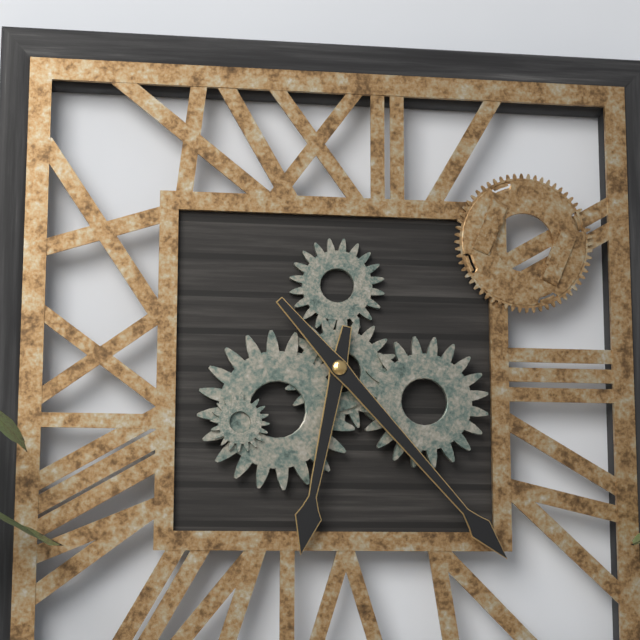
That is 6:23
